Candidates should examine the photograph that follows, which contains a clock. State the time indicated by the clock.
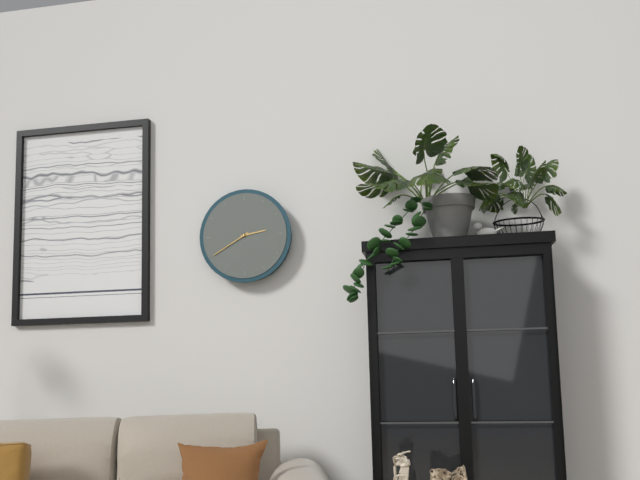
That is 2:40
